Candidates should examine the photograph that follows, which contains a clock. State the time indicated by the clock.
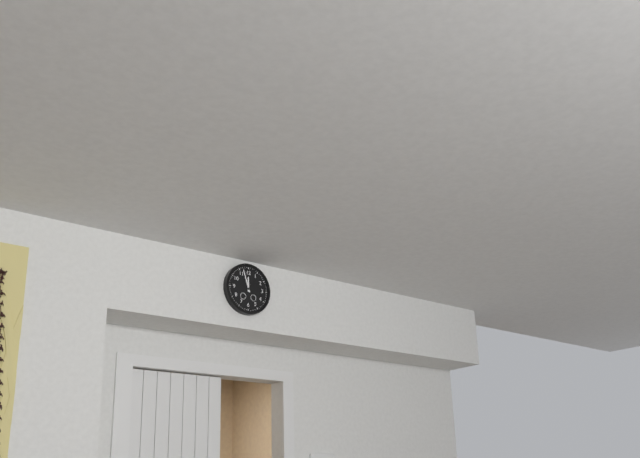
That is 11:57
